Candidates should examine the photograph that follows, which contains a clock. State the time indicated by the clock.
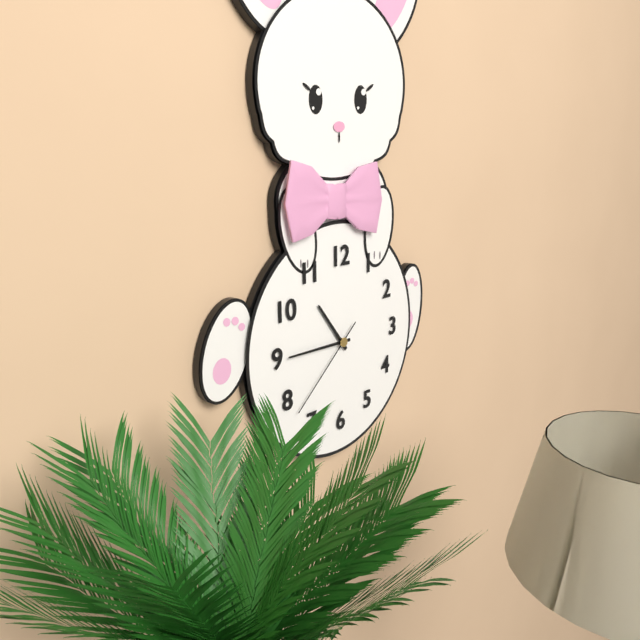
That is 10:45:38
